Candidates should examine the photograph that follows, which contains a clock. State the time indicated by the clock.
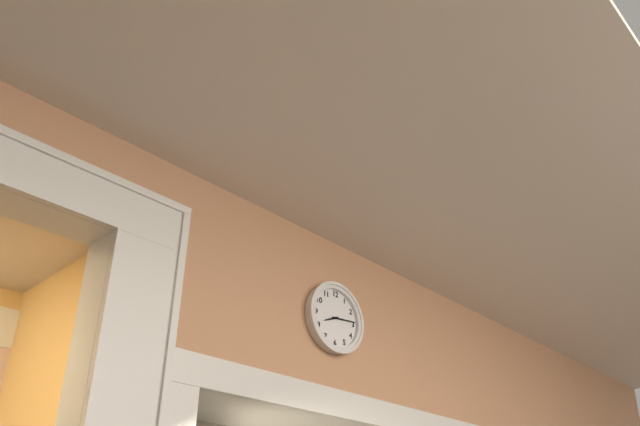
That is 8:14
